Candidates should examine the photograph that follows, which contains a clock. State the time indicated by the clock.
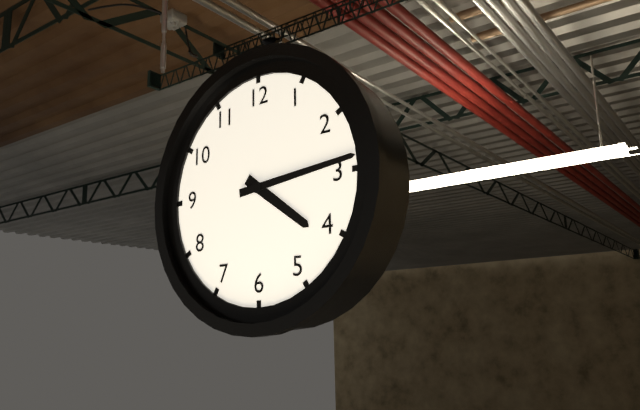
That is 4:14
